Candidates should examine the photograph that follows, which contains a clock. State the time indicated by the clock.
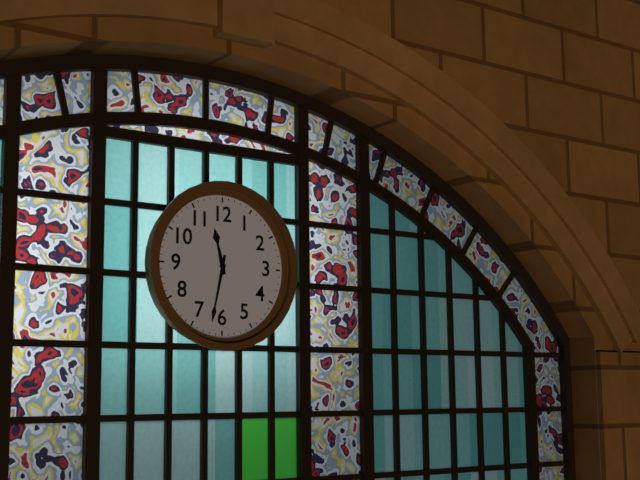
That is 11:32
